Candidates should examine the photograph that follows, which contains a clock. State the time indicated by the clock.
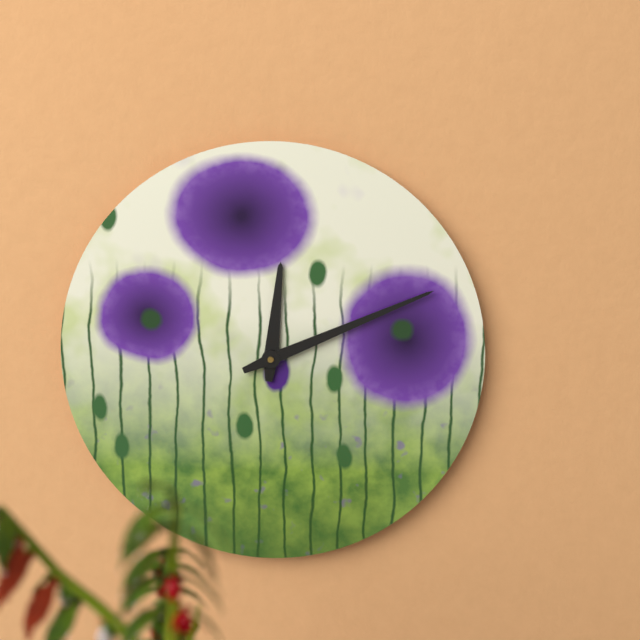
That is 12:11
